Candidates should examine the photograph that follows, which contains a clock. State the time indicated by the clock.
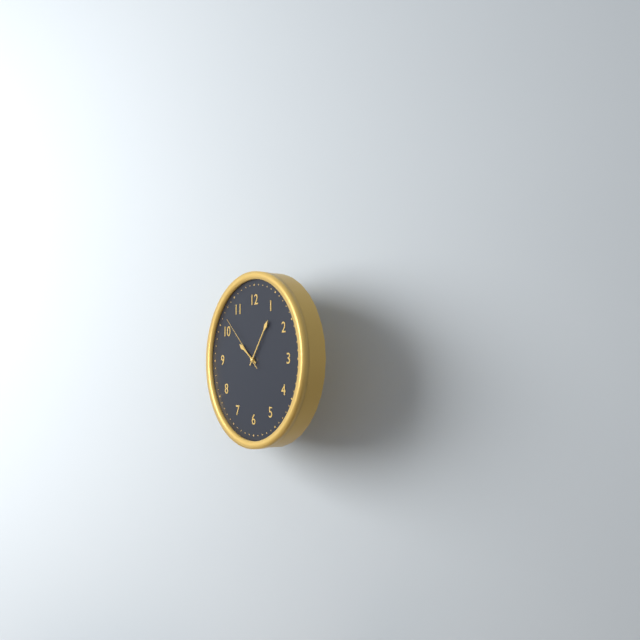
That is 10:06:52
